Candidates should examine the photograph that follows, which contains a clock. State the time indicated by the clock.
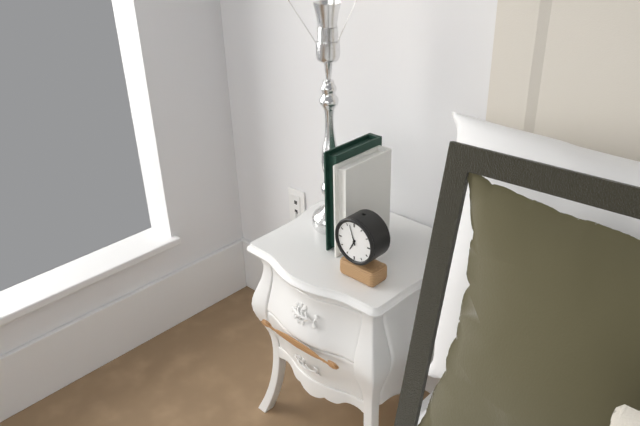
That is 6:57
